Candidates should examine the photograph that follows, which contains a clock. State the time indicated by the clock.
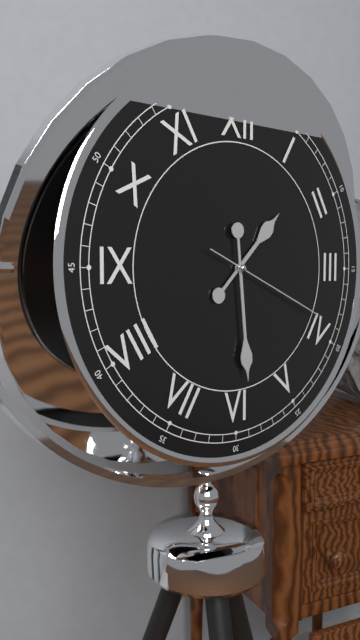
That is 1:29:19
